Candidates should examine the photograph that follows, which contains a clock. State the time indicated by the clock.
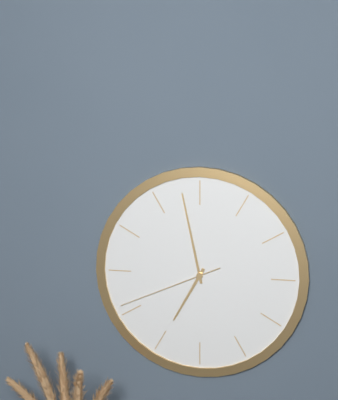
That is 6:58:41
